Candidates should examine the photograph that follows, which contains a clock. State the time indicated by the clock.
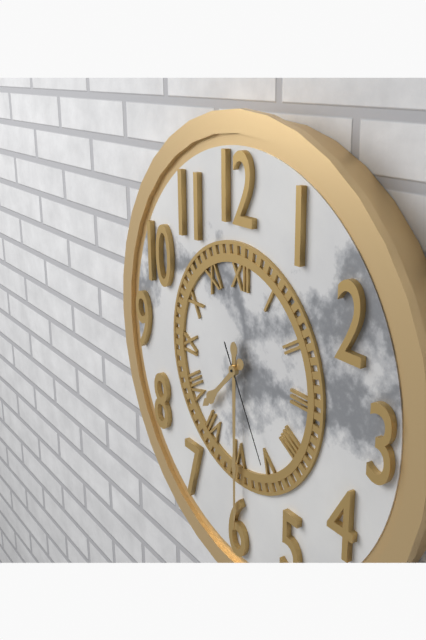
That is 7:30:25
